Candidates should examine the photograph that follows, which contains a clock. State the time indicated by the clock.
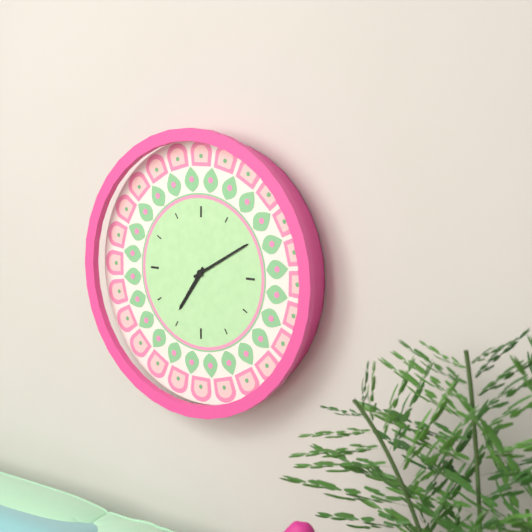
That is 7:10
